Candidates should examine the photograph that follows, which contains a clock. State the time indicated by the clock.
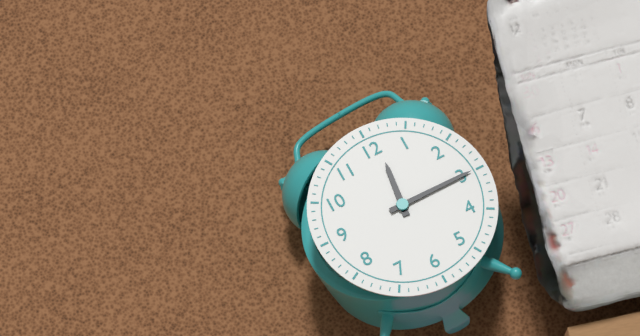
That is 12:15
